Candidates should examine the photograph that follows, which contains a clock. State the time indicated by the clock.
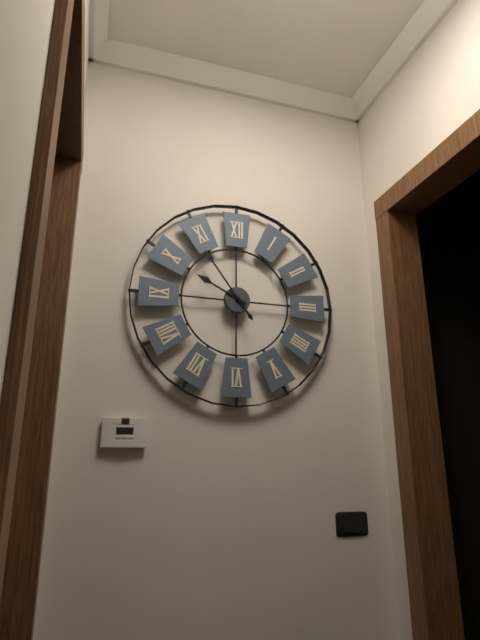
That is 9:54
